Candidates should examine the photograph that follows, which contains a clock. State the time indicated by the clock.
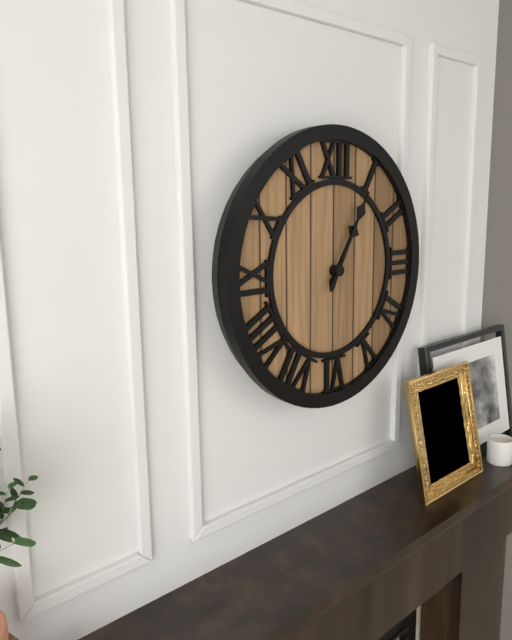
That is 1:05
